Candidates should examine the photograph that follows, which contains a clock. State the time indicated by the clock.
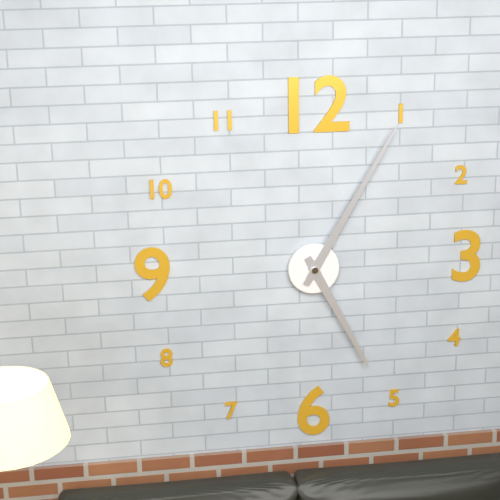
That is 5:05
